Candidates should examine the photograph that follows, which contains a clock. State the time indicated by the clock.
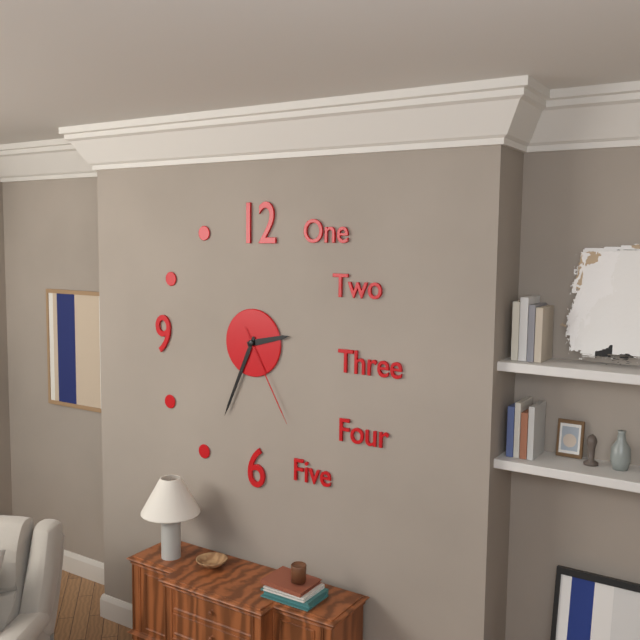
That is 2:34:25
